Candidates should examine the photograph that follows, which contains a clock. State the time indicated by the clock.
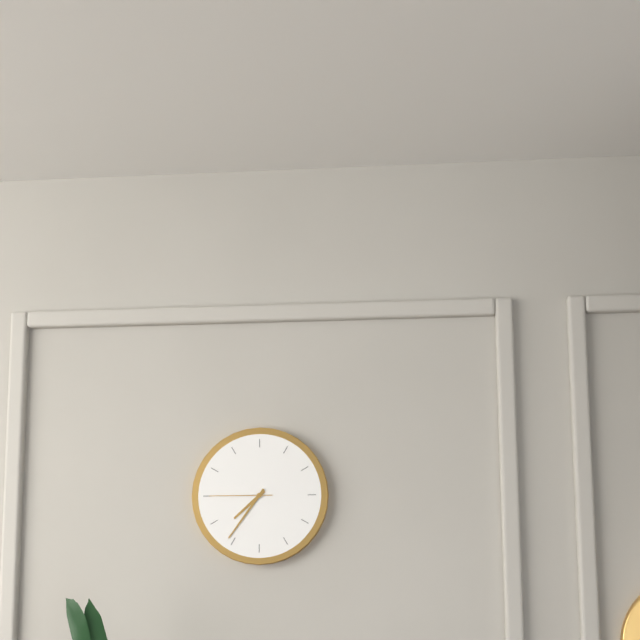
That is 7:36:45
